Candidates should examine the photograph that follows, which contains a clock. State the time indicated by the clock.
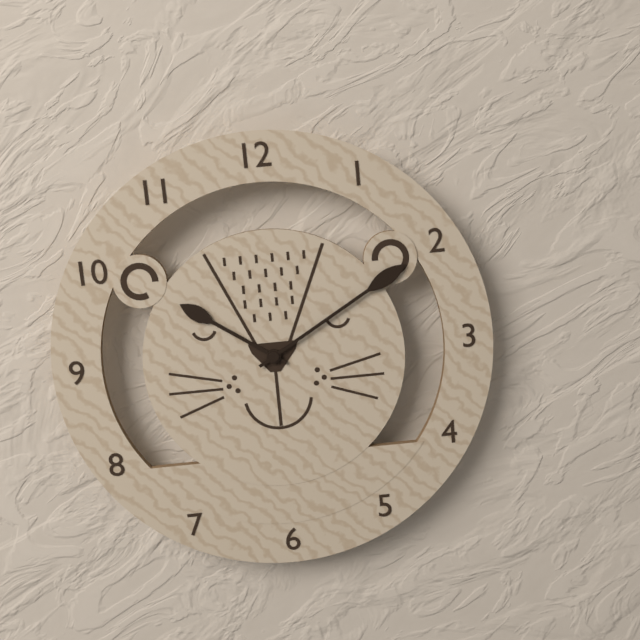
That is 10:10
